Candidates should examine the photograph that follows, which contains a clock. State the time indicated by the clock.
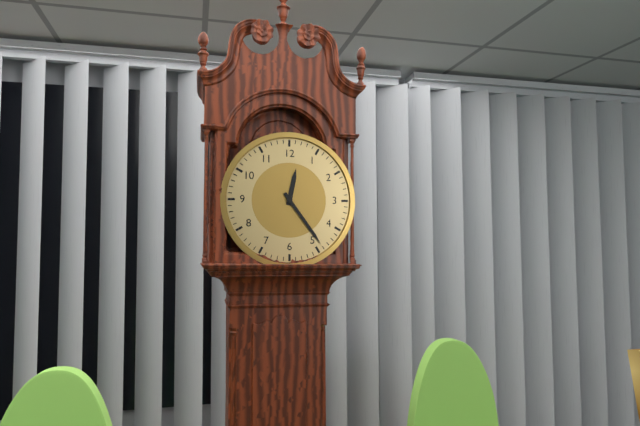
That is 12:24
